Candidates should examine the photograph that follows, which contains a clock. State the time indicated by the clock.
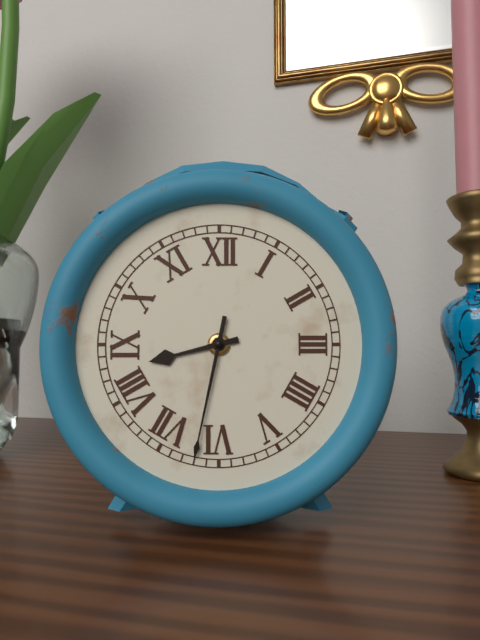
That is 8:32
